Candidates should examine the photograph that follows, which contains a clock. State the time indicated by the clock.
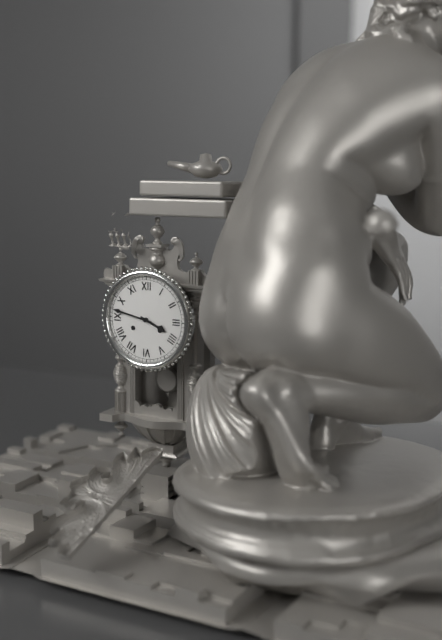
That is 3:47
